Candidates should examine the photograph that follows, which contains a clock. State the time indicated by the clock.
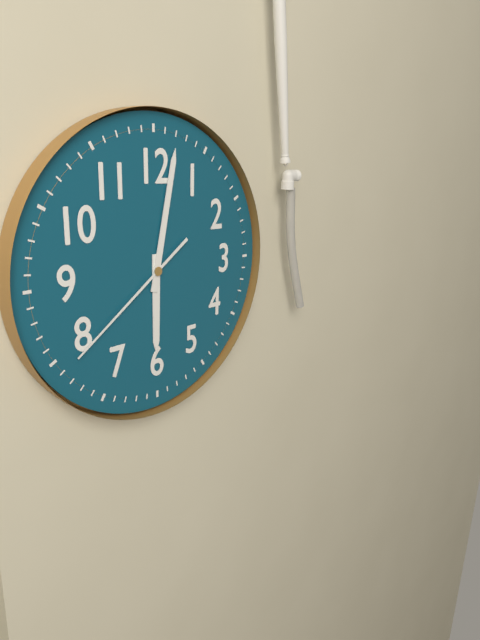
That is 6:02:39
